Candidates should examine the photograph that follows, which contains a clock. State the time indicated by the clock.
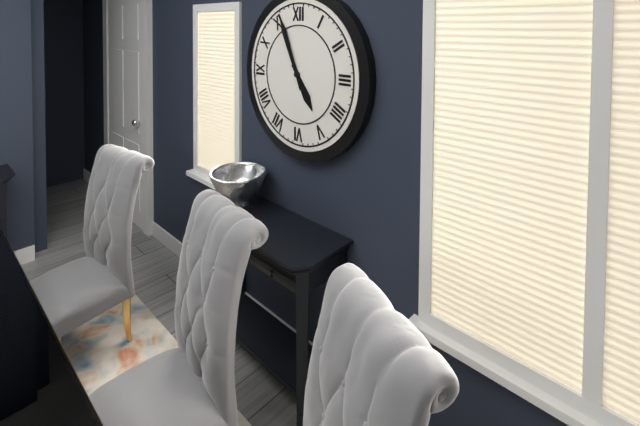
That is 4:56
